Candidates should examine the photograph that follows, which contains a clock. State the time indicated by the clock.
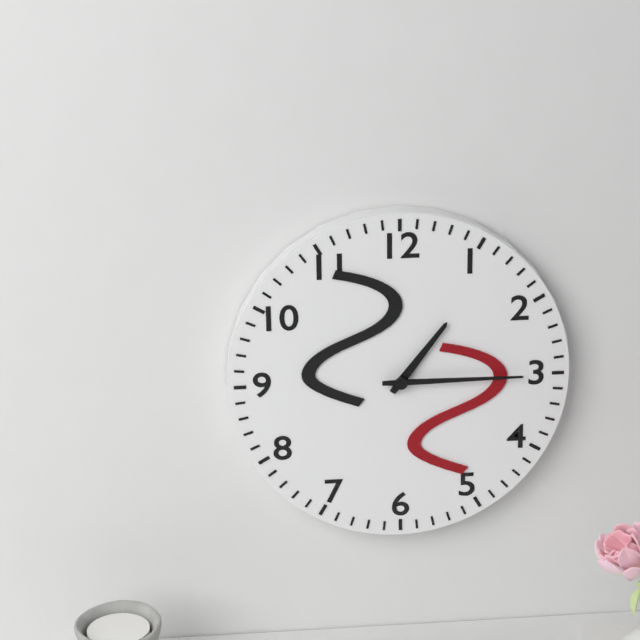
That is 1:15
